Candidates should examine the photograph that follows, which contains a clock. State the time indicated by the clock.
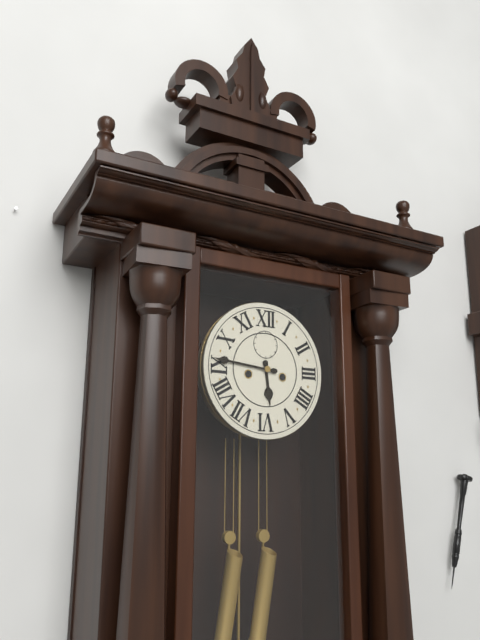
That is 5:46
